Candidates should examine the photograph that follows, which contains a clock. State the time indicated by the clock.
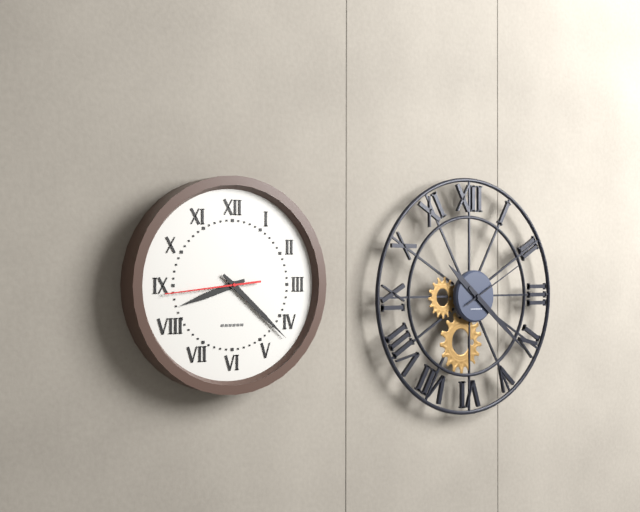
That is 8:22:44
